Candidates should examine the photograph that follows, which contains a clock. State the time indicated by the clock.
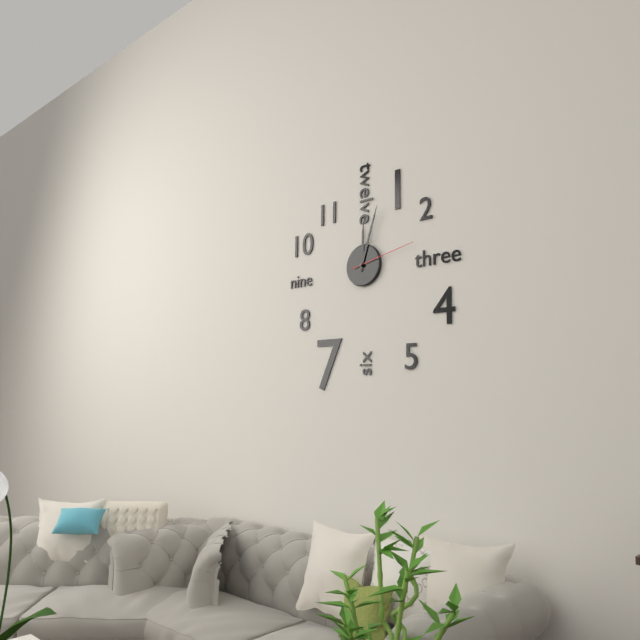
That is 12:03:13
